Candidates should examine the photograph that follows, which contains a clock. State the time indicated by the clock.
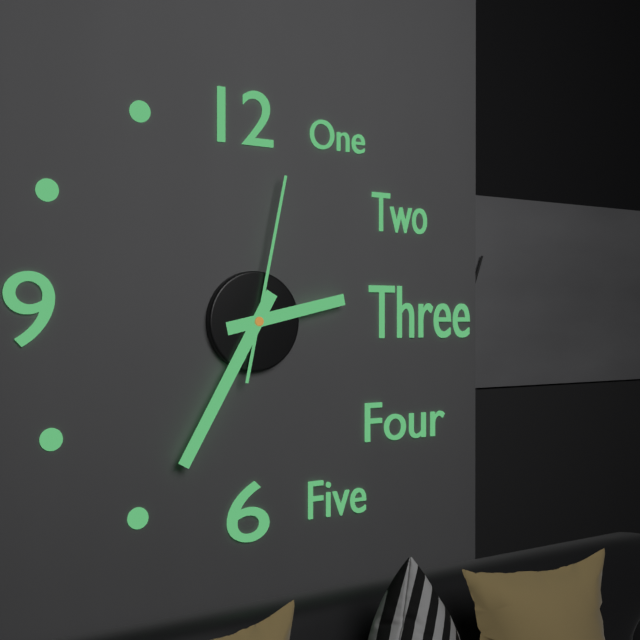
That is 2:35:02
